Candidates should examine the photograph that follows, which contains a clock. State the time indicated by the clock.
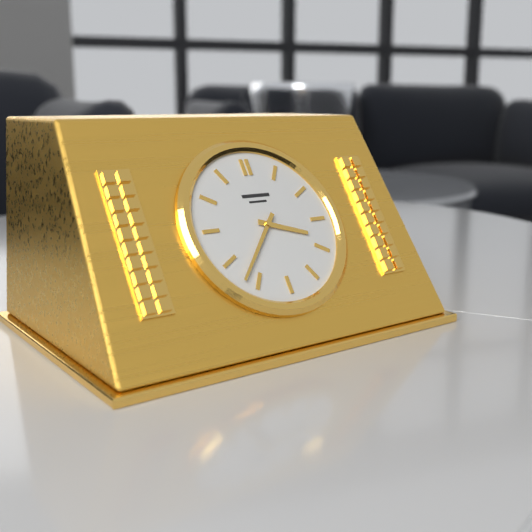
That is 3:37
